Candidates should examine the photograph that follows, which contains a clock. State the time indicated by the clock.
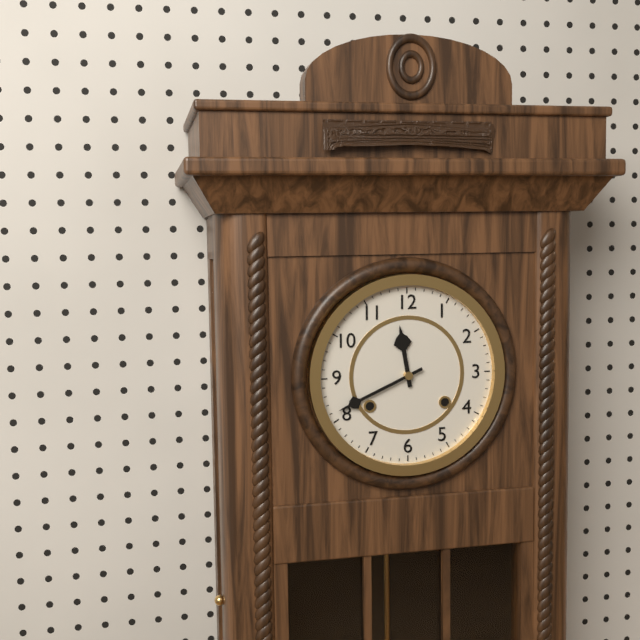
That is 11:41
